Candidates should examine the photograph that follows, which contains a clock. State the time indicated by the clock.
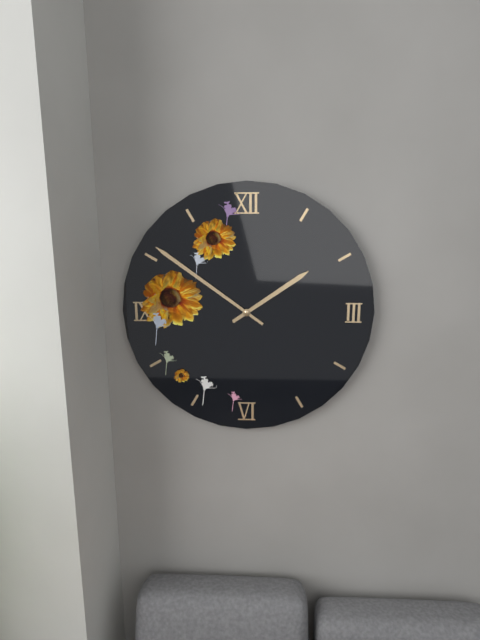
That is 1:51
